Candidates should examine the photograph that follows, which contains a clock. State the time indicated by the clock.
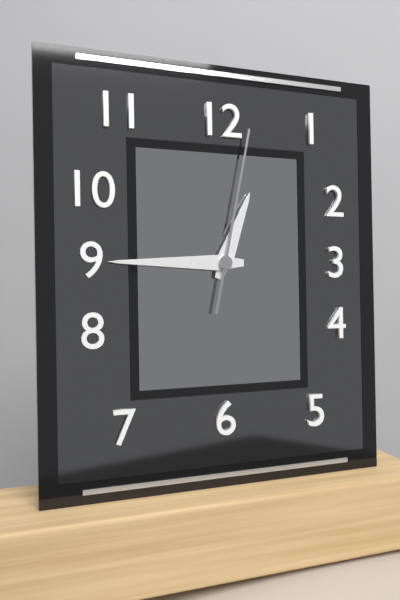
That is 12:45:02
